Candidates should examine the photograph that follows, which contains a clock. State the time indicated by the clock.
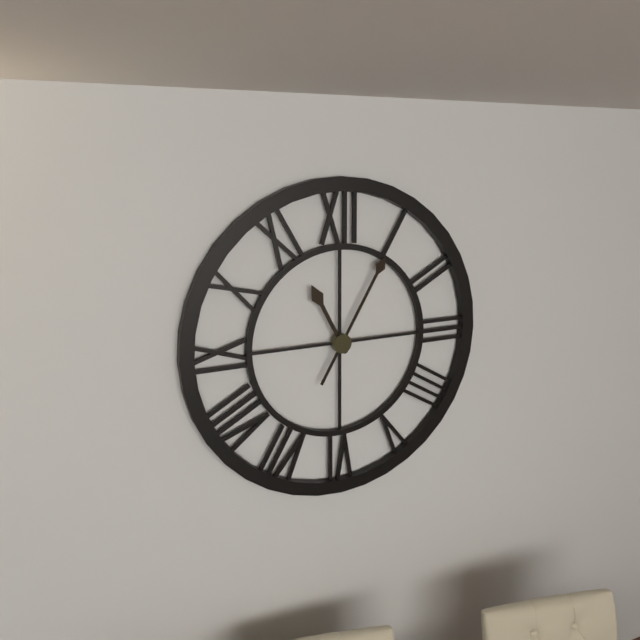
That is 11:05
